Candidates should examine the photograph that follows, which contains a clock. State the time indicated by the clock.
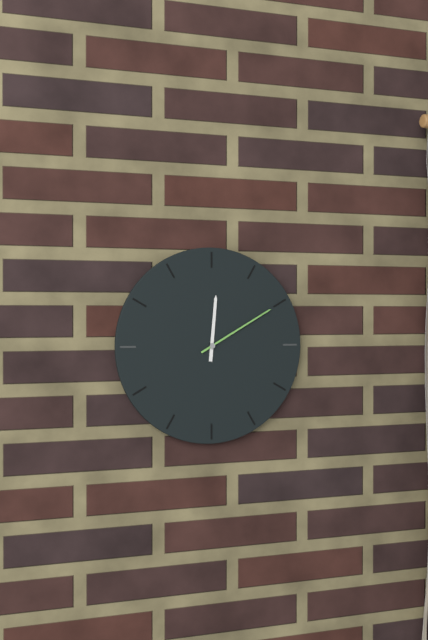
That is 12:10
